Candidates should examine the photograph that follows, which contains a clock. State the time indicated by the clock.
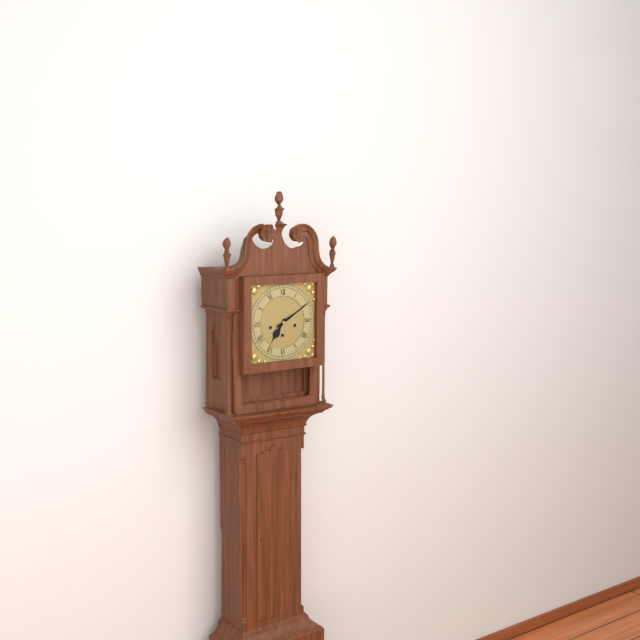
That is 7:10
